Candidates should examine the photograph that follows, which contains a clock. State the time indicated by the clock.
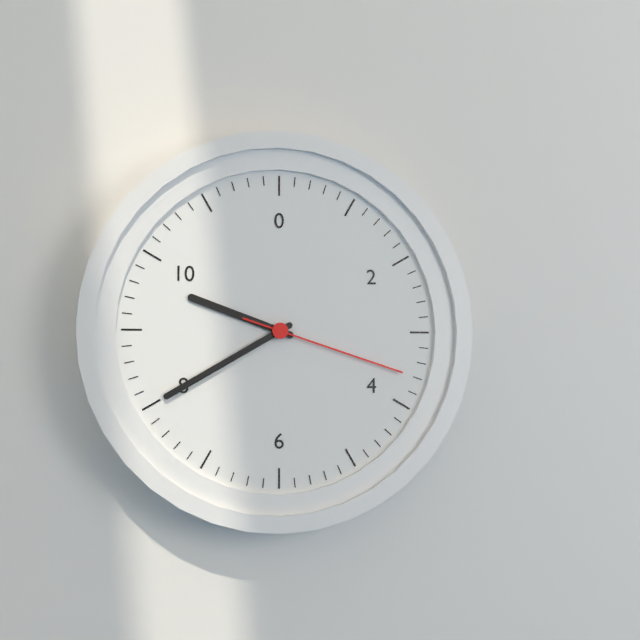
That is 9:40:18
